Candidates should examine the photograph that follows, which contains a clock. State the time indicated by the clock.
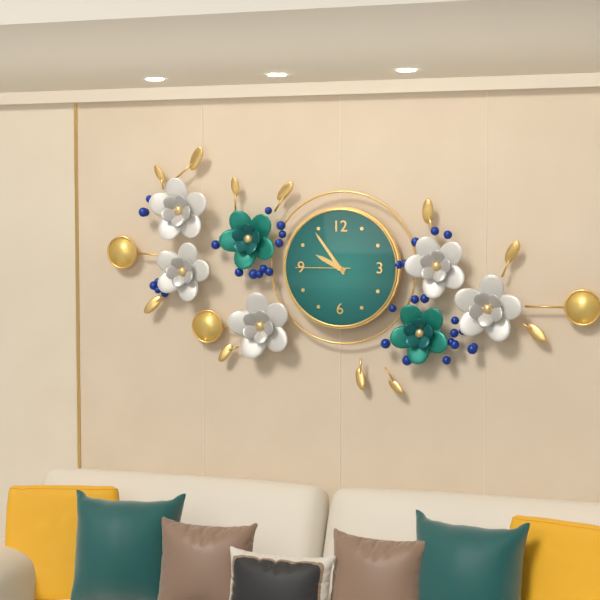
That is 9:54:45
